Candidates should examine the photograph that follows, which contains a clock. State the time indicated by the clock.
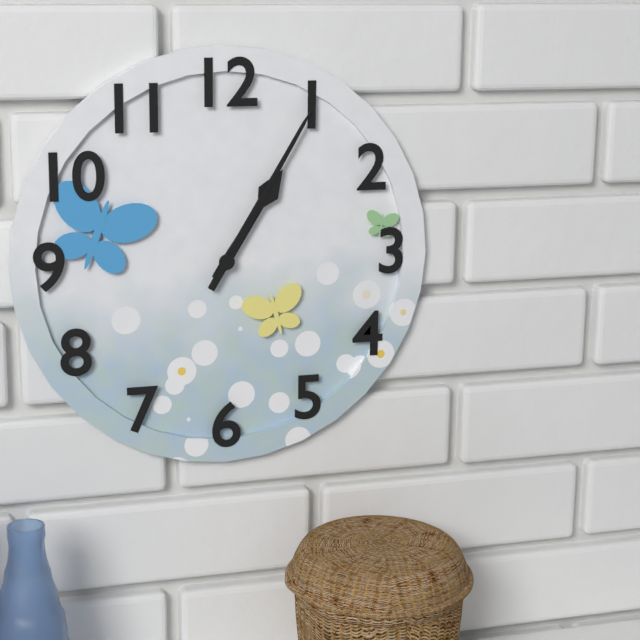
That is 1:05
